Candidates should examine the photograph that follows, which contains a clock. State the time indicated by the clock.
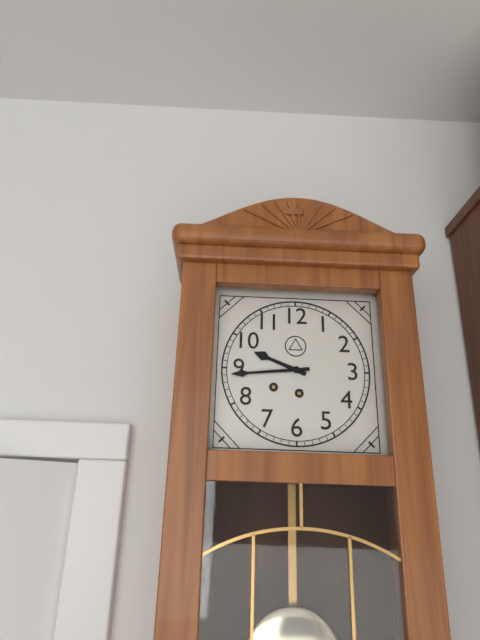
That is 9:44
